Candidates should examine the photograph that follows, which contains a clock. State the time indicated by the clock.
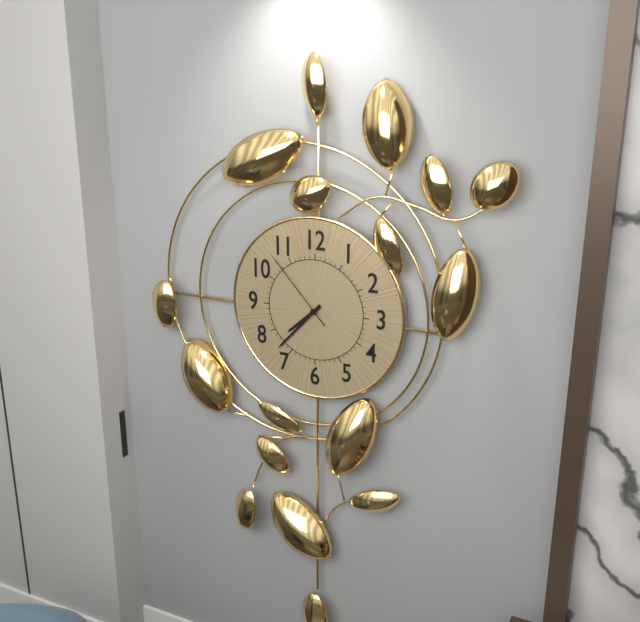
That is 7:37:53
